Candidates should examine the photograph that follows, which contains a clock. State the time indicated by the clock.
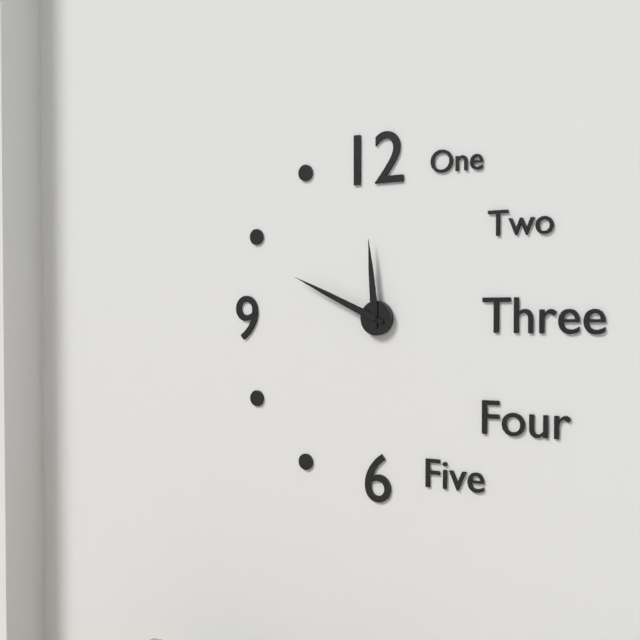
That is 11:49
